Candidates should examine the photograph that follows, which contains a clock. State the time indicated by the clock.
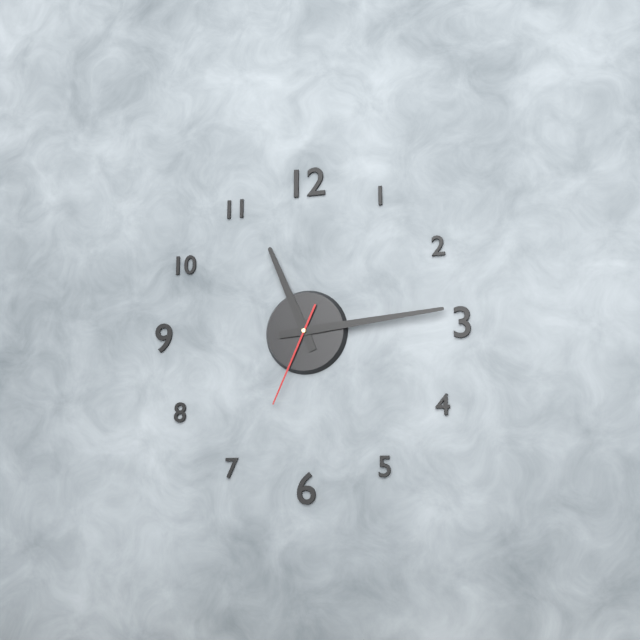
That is 11:14:34
